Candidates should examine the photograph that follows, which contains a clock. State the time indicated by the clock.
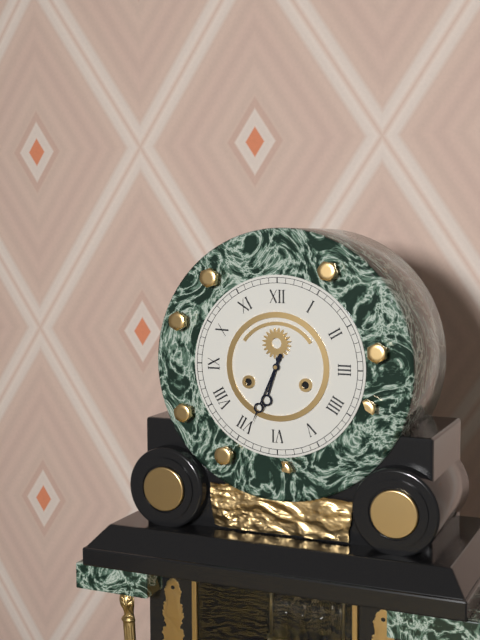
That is 6:34
